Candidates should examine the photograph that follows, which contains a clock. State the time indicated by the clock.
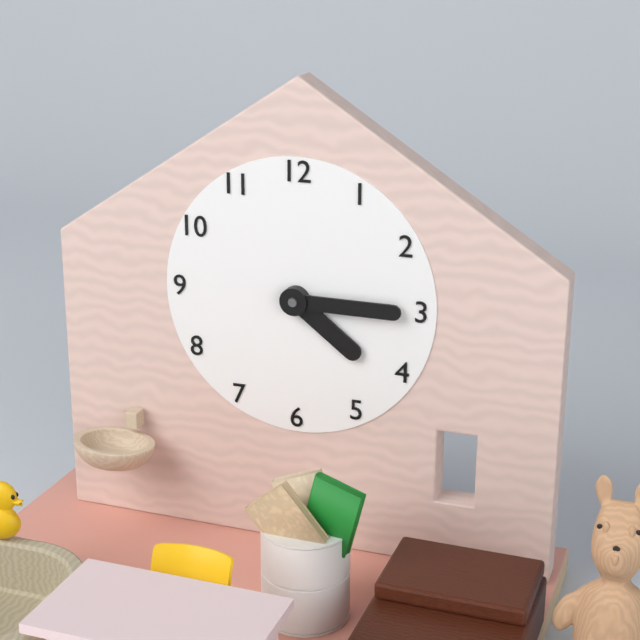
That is 4:15
